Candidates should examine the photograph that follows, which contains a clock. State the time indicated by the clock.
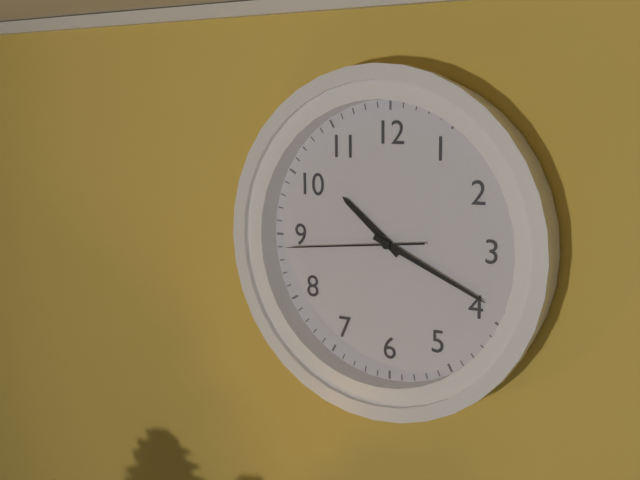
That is 10:19:44
